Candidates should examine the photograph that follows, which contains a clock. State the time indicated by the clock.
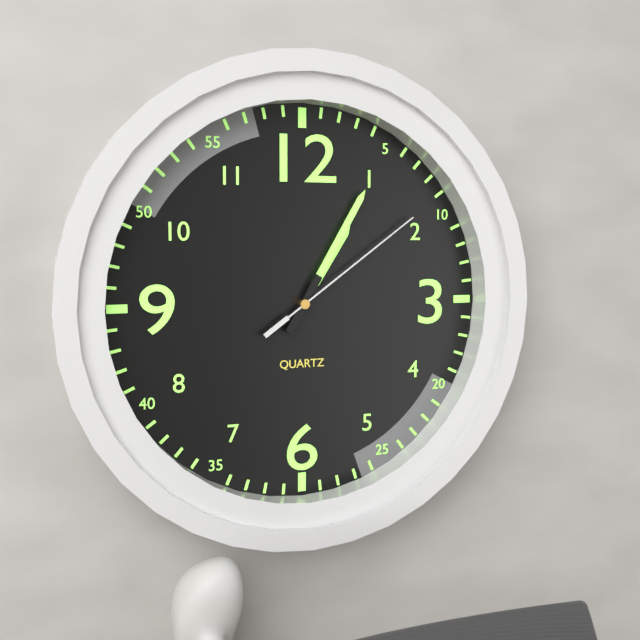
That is 1:05:09
